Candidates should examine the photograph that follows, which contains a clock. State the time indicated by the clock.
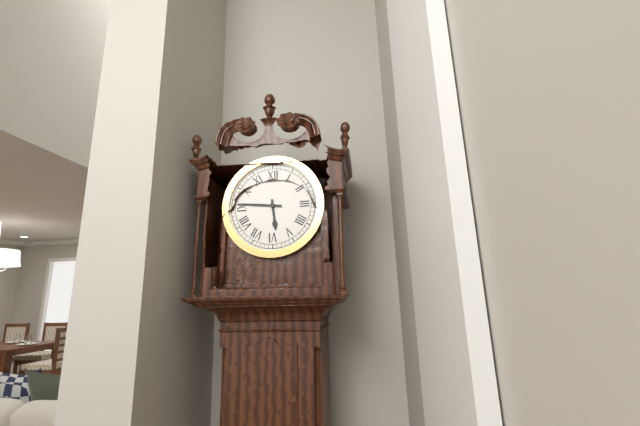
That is 5:46
